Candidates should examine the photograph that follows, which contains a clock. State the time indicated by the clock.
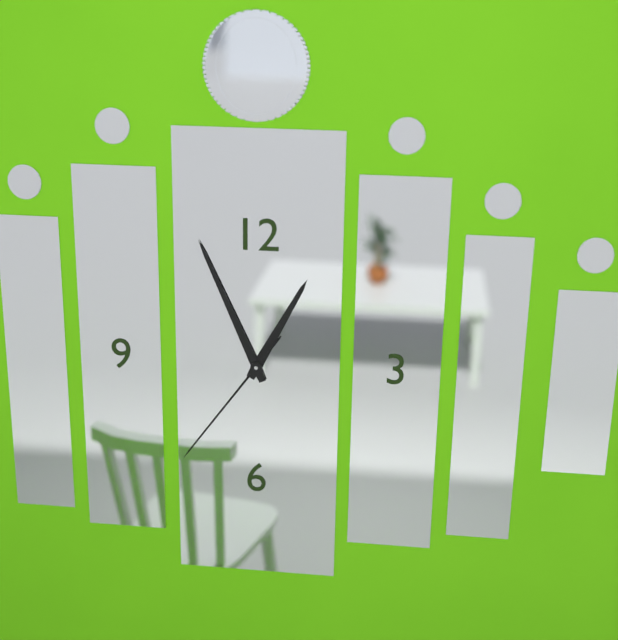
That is 12:56:36
